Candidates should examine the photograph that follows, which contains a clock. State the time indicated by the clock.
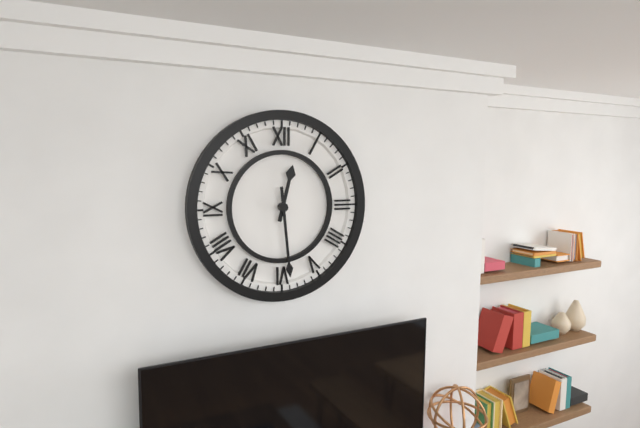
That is 12:29
